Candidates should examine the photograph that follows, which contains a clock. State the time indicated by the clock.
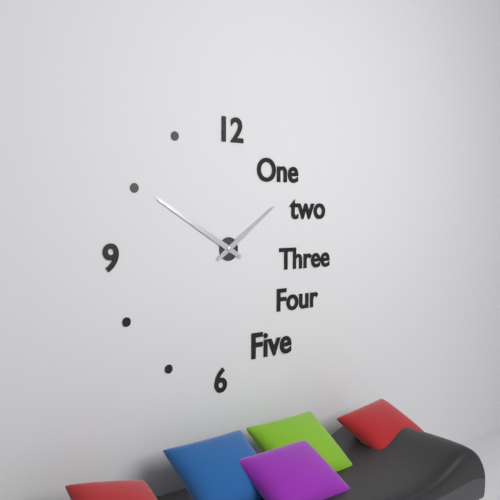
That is 1:50
